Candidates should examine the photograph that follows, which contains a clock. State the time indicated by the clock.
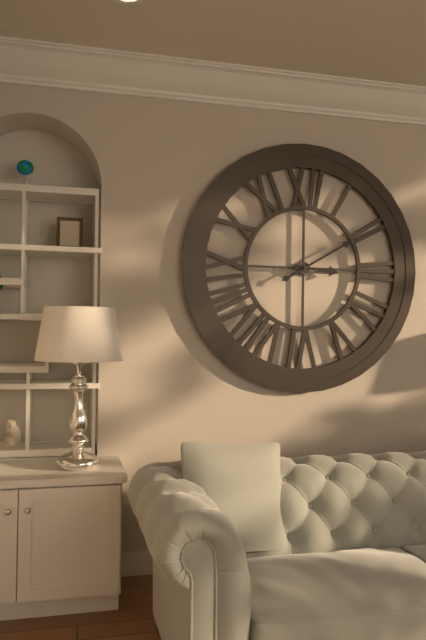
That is 3:10
